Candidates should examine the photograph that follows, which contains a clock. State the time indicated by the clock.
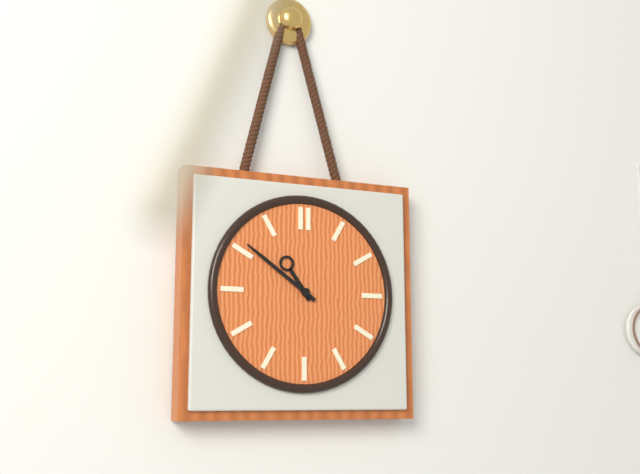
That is 10:51
